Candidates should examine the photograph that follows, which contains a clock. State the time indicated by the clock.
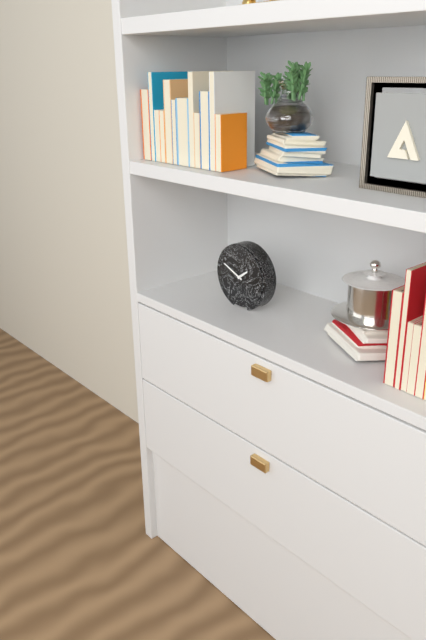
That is 1:49
